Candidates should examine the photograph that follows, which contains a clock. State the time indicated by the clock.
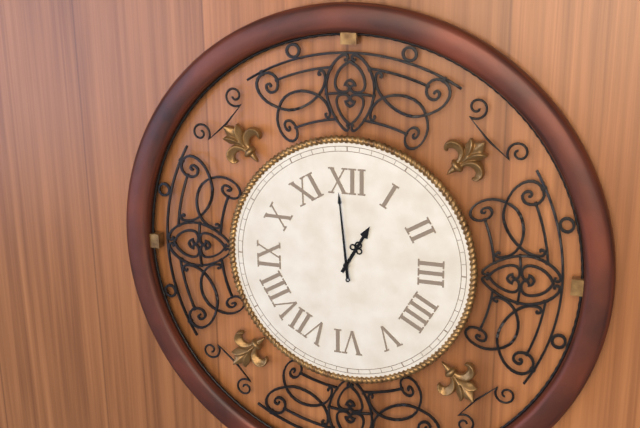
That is 12:59
